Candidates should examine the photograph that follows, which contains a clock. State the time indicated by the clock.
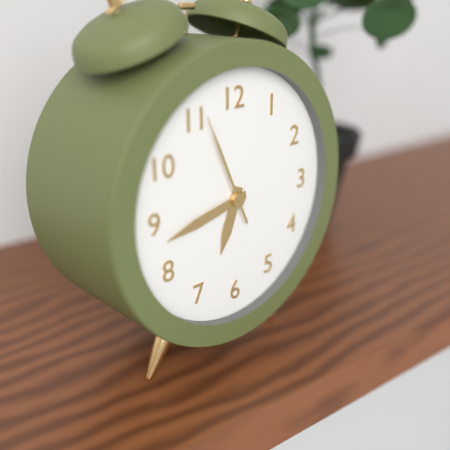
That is 6:43:56
